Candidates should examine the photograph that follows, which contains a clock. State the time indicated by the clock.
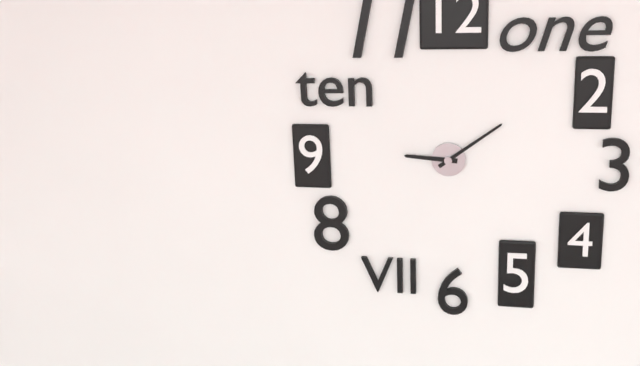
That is 9:09
